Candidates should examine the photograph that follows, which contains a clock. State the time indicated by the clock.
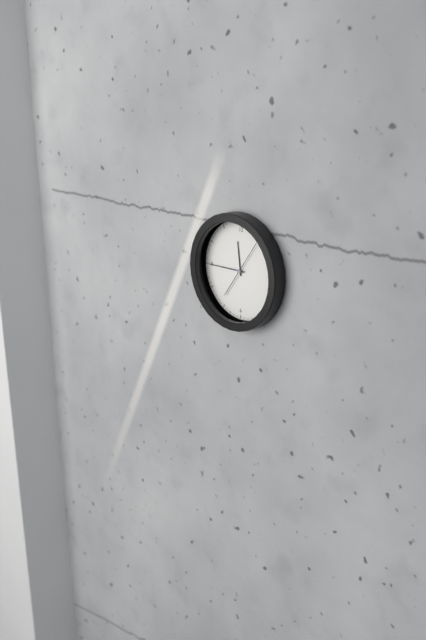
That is 11:45
